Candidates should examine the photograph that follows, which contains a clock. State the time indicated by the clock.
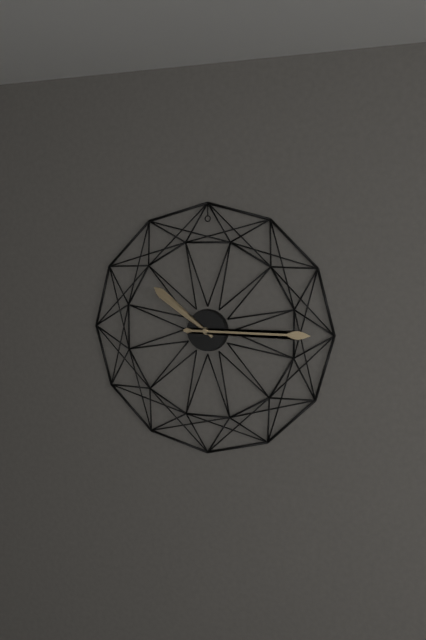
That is 10:15
